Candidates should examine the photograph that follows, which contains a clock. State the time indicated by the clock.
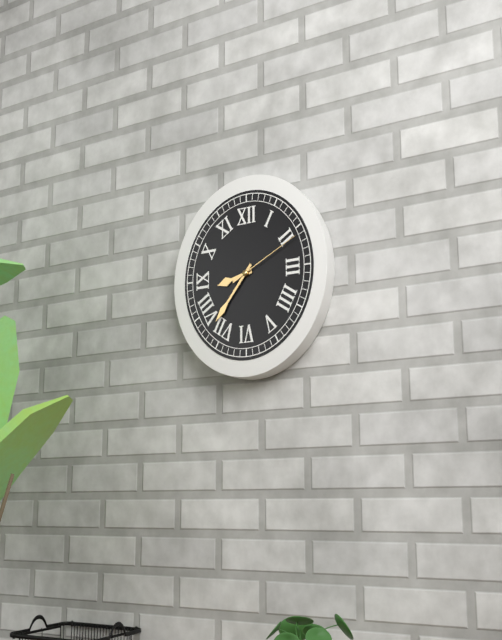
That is 8:37:11
